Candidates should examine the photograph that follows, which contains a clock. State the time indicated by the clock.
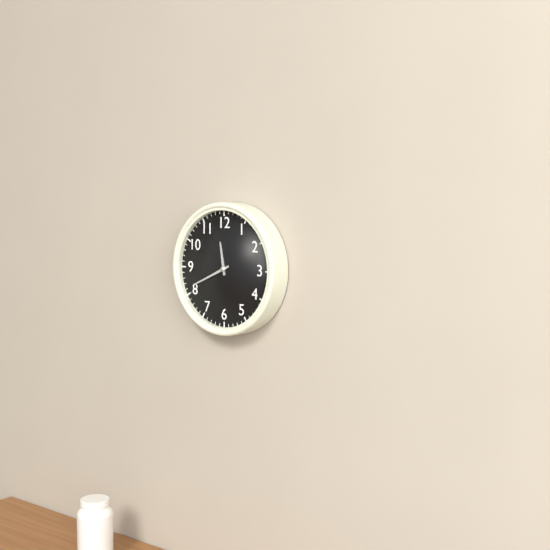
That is 11:41
